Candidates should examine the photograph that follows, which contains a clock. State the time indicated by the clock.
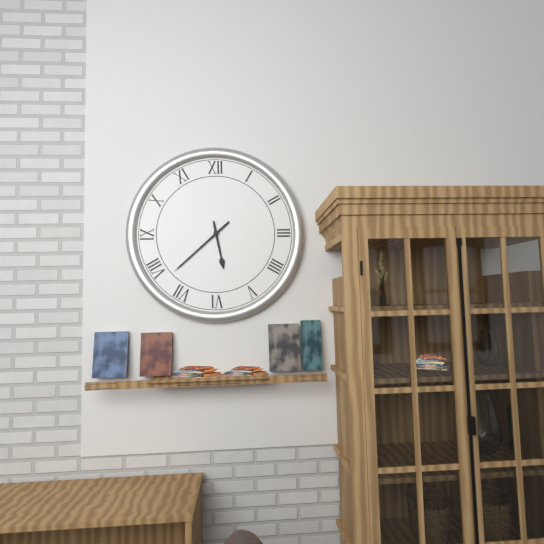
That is 5:38
